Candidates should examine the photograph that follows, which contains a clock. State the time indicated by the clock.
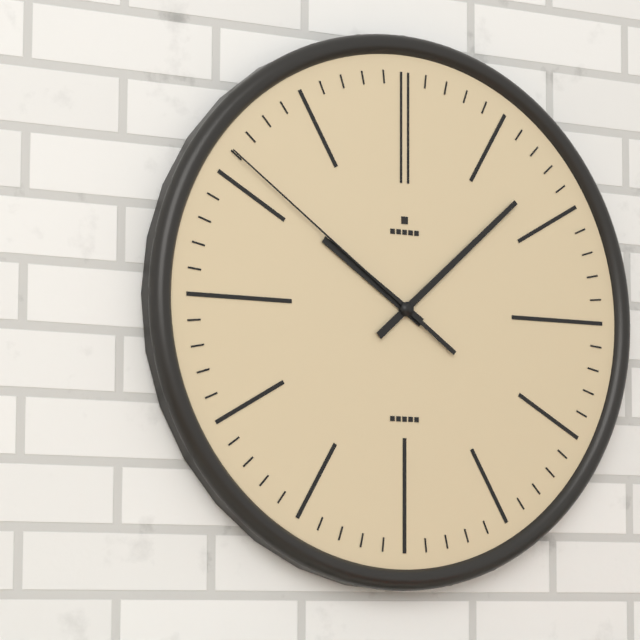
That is 10:08:51
